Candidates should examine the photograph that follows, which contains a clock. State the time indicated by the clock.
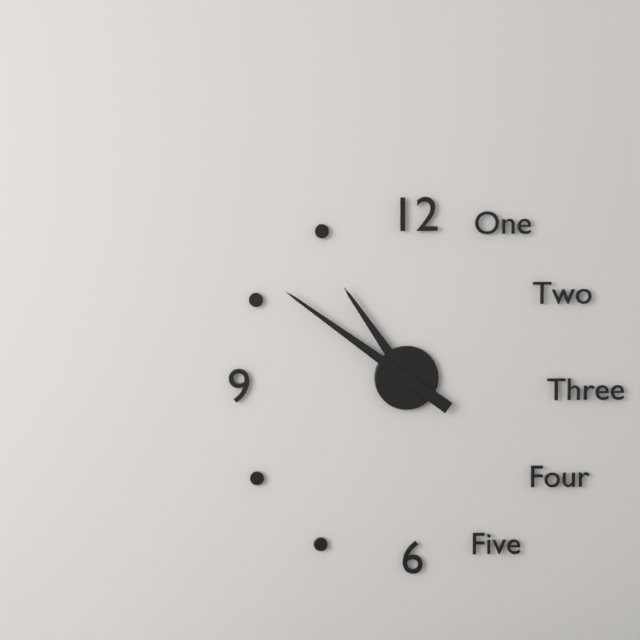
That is 10:51
